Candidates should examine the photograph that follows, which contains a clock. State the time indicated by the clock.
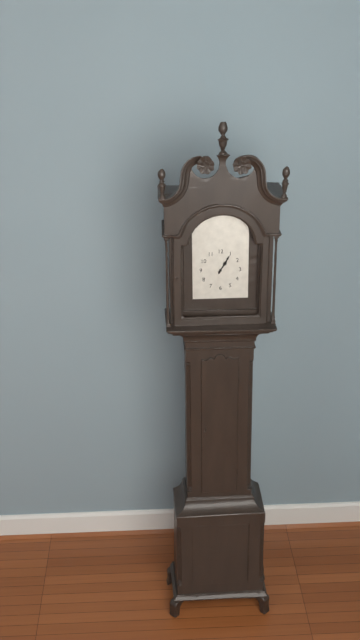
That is 1:05
